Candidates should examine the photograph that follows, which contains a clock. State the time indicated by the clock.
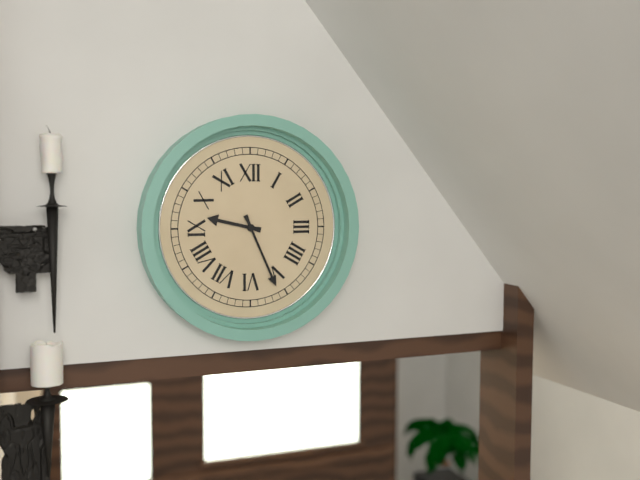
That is 9:26
